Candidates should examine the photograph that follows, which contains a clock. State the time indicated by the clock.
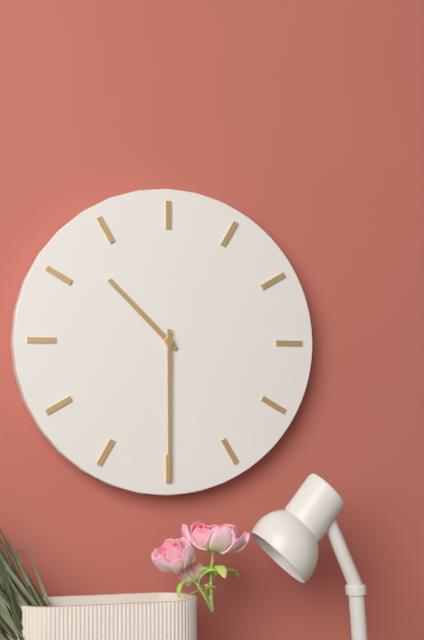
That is 10:30
